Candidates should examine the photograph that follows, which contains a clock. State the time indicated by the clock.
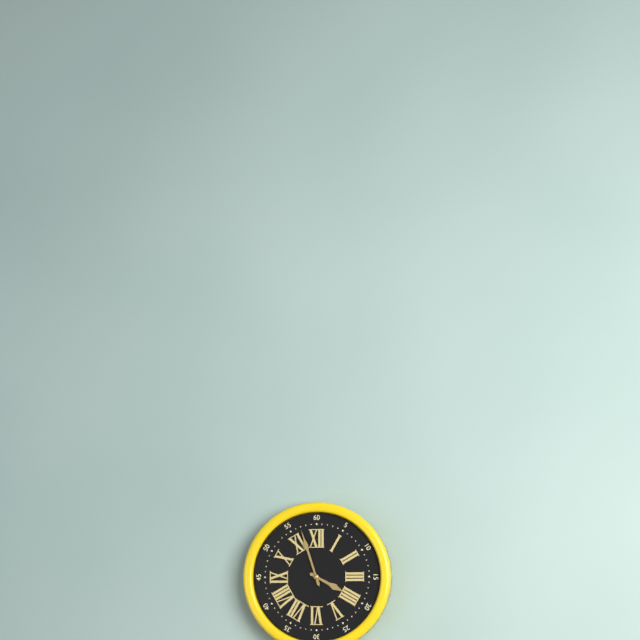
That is 3:57
